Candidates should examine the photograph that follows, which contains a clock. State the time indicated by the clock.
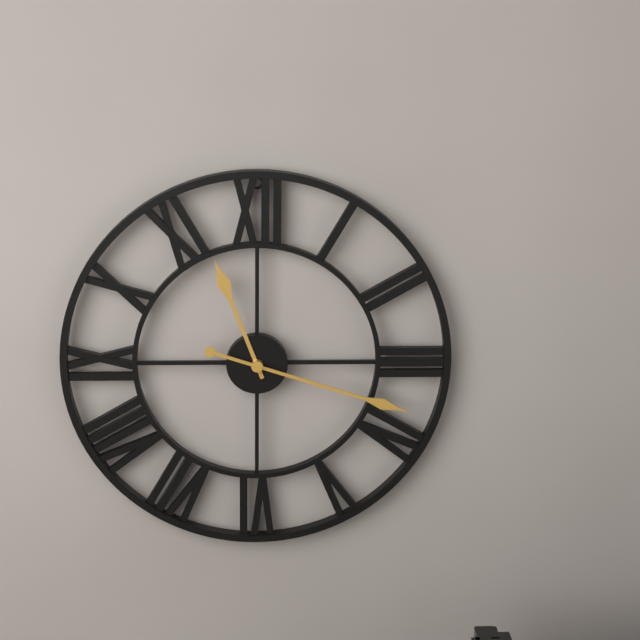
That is 11:18
